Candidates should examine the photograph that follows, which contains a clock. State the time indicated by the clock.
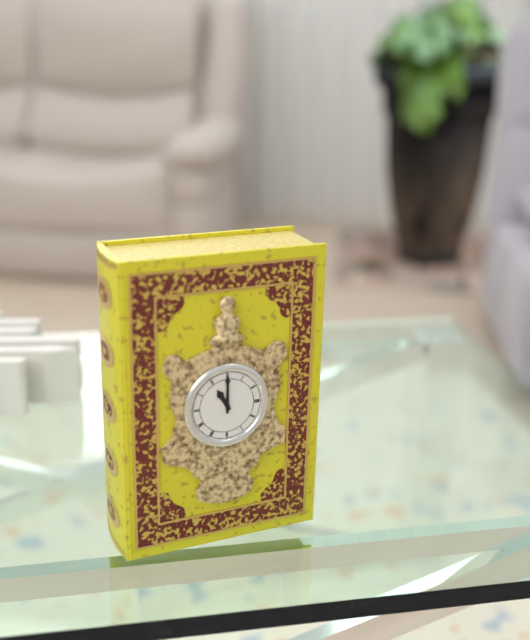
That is 11:00
